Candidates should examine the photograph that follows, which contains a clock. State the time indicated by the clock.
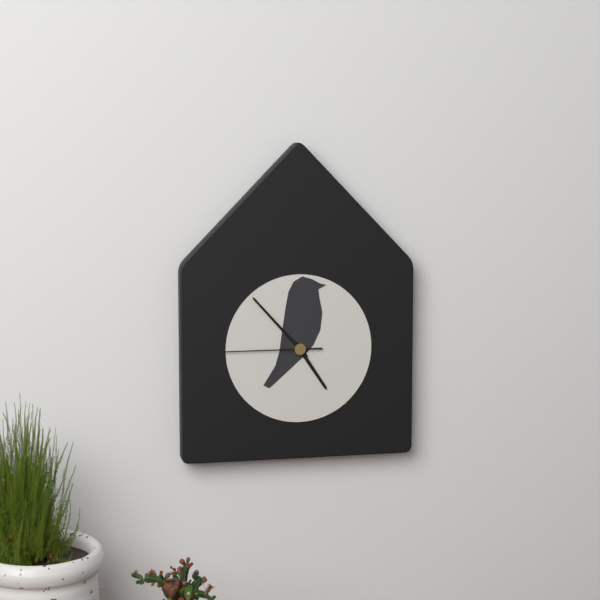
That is 4:53:45
